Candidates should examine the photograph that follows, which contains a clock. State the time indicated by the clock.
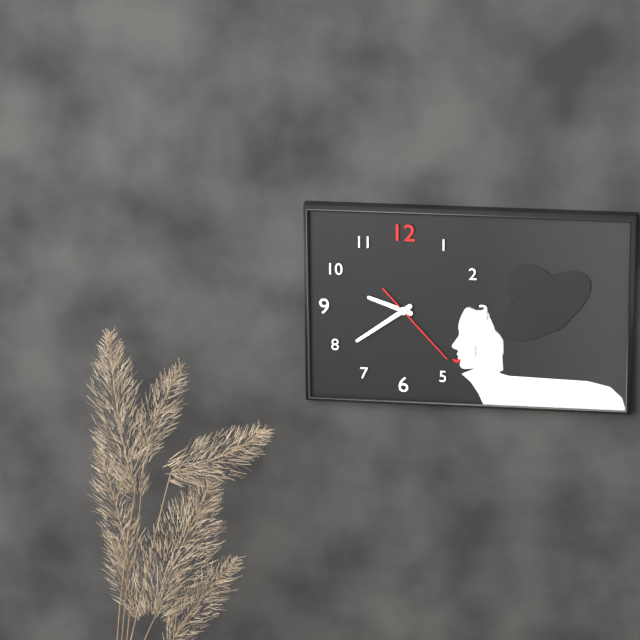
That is 9:39:23
